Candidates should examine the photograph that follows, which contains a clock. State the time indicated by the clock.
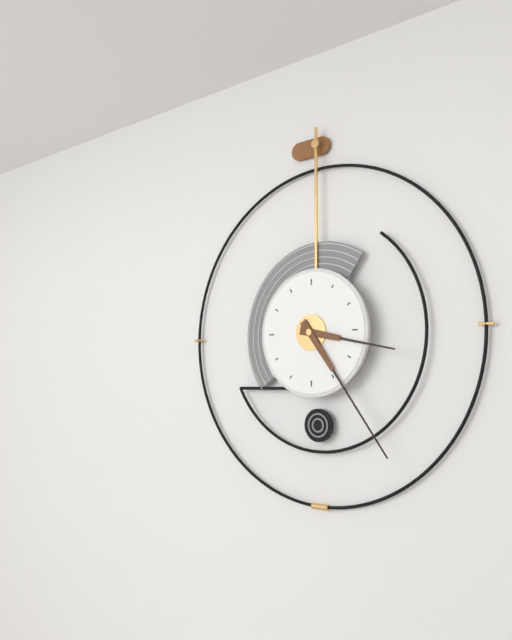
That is 3:24
